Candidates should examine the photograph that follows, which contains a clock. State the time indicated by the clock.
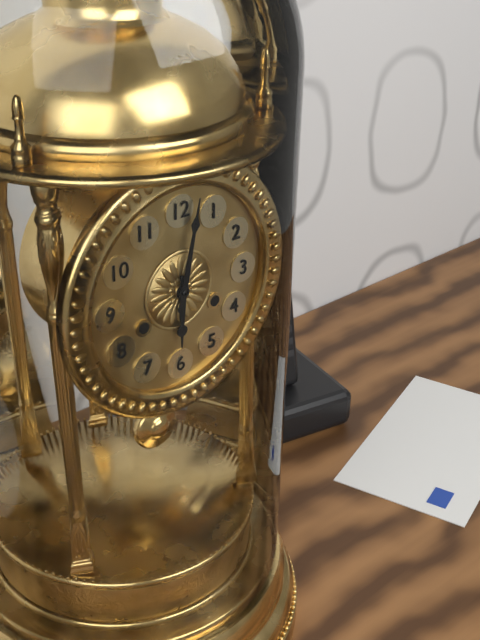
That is 6:02
